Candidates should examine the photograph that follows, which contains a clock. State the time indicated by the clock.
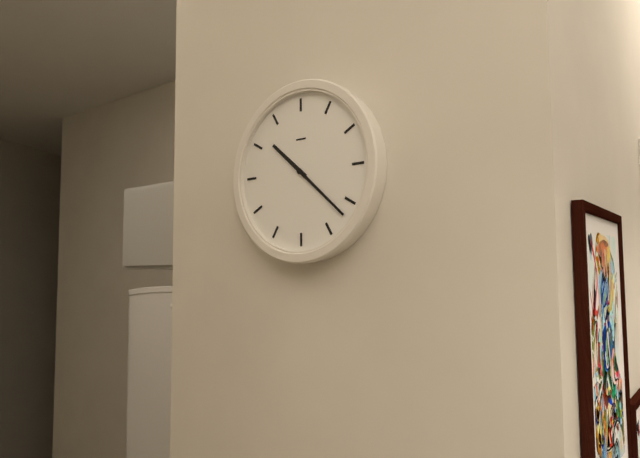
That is 10:22
